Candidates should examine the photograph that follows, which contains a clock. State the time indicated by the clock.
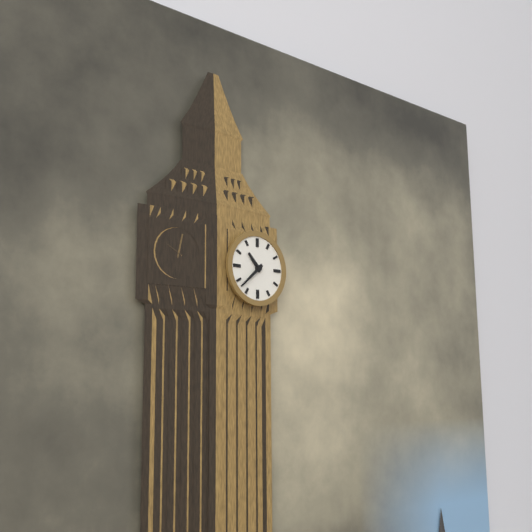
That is 10:38
